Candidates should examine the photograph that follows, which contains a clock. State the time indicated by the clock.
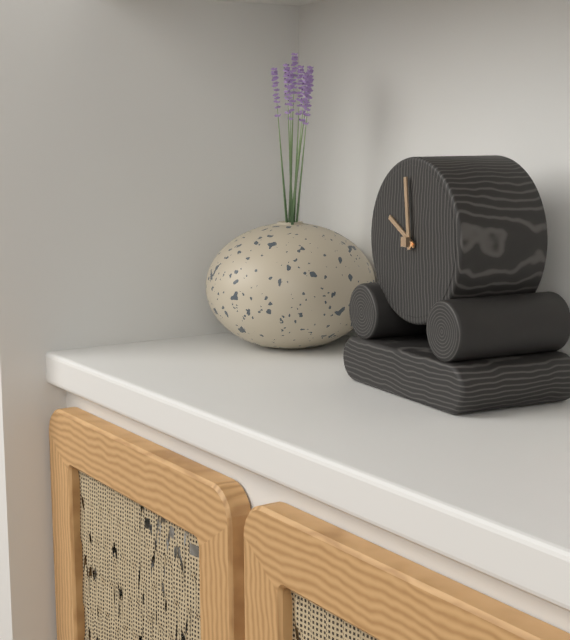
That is 9:59
